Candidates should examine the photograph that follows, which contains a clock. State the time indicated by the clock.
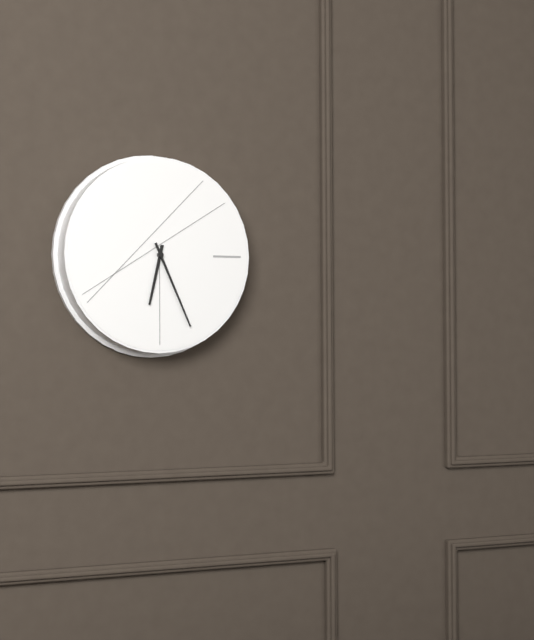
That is 6:26
